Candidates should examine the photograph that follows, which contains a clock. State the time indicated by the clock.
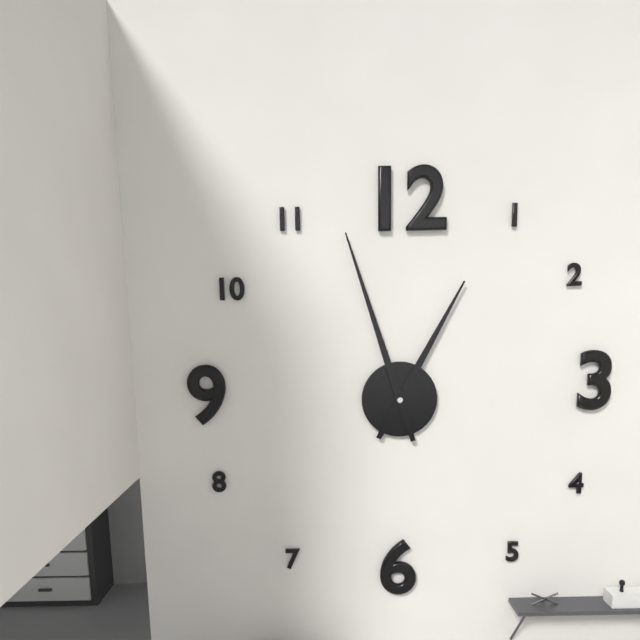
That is 12:57
